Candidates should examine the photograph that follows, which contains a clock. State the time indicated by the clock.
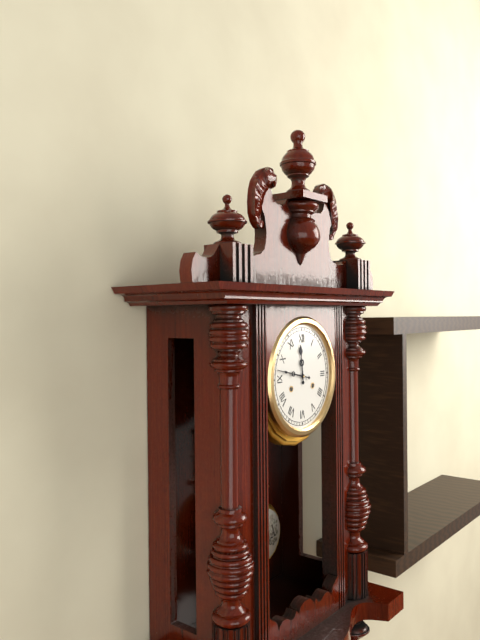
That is 11:47
